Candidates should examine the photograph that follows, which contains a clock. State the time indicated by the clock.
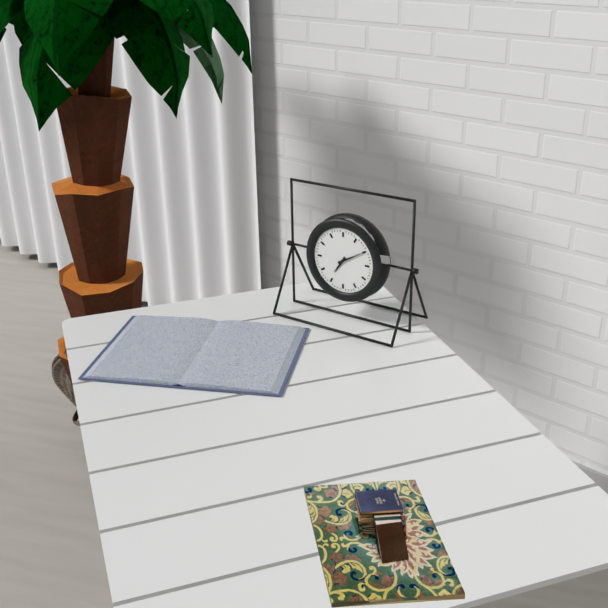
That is 7:10
